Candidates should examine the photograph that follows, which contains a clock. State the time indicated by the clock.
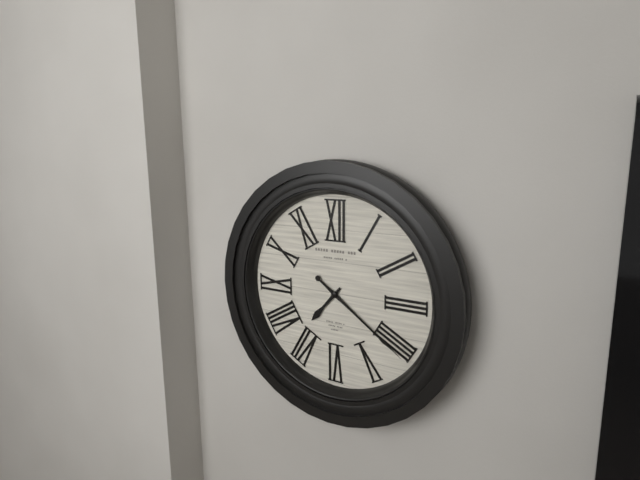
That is 7:21
